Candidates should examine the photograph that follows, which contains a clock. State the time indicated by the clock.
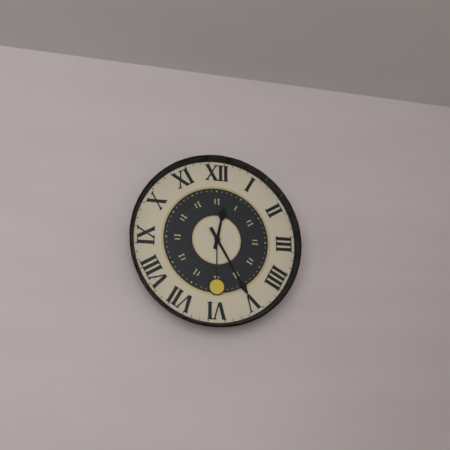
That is 12:25
